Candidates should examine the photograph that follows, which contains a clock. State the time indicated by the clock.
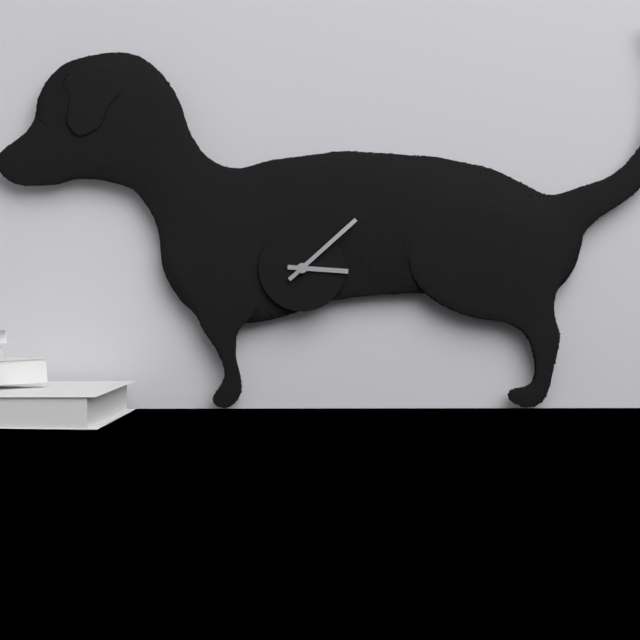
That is 3:08
